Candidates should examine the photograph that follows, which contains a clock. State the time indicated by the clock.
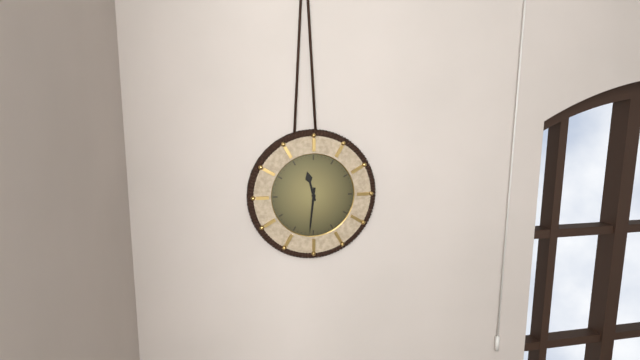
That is 11:31
